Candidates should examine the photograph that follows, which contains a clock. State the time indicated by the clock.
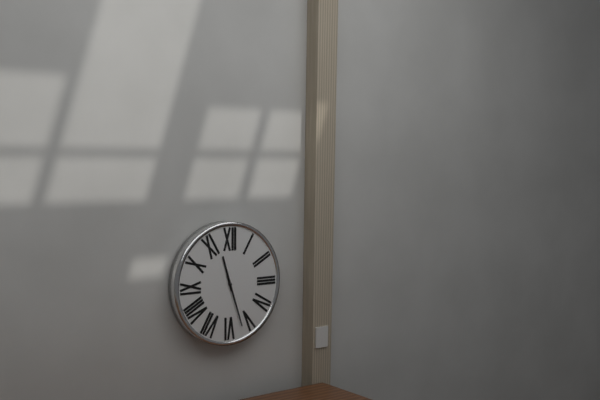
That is 11:27
